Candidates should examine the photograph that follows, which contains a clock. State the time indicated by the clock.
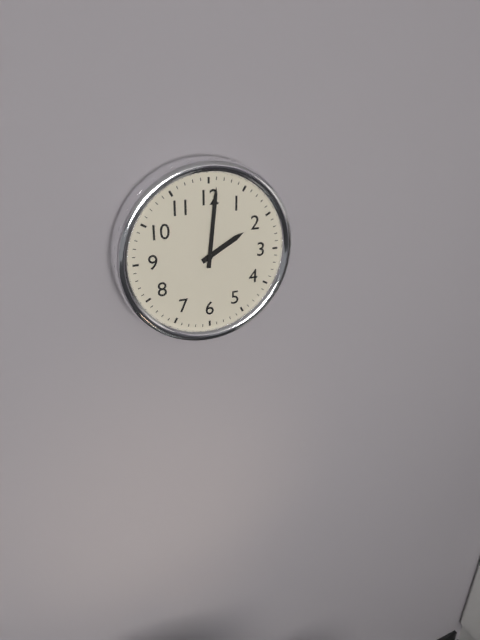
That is 2:01
